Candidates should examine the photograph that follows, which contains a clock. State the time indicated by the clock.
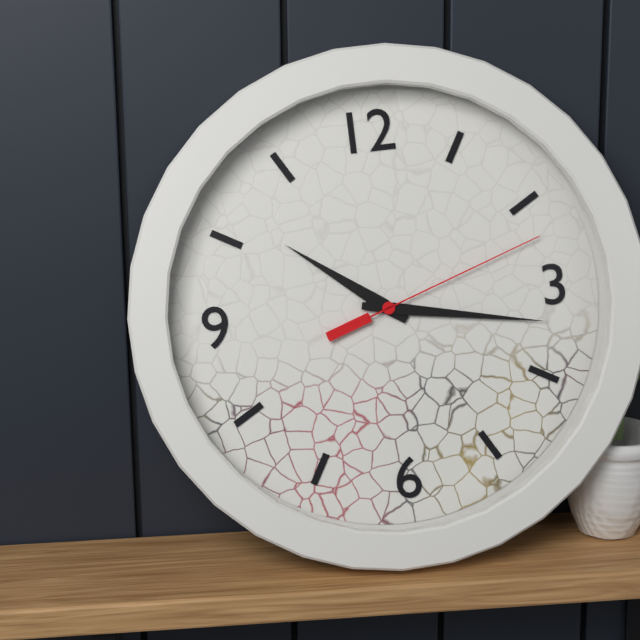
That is 10:17:12
